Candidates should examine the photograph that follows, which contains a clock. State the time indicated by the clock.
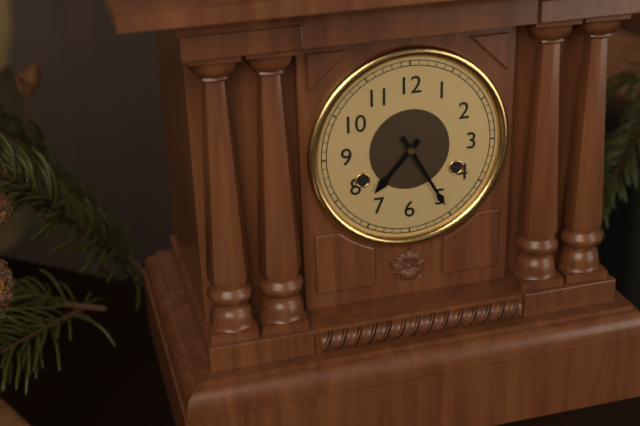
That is 7:25
